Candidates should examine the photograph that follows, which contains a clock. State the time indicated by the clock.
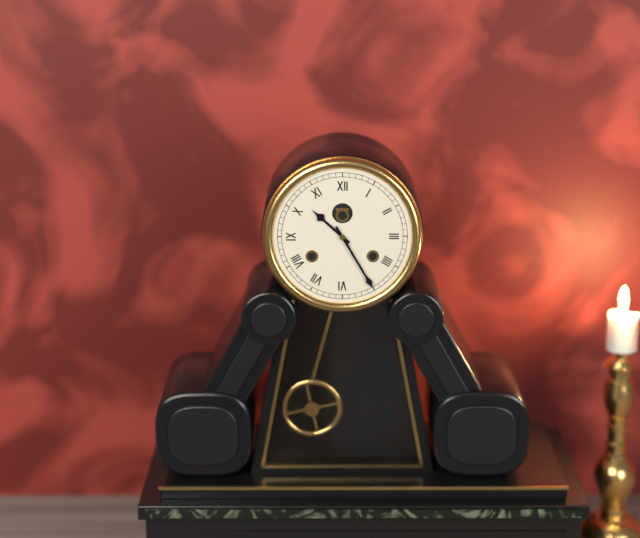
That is 10:25
